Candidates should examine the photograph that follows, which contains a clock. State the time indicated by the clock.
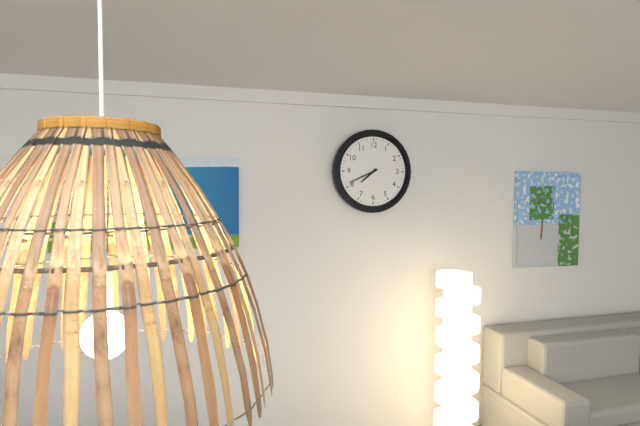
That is 7:41
